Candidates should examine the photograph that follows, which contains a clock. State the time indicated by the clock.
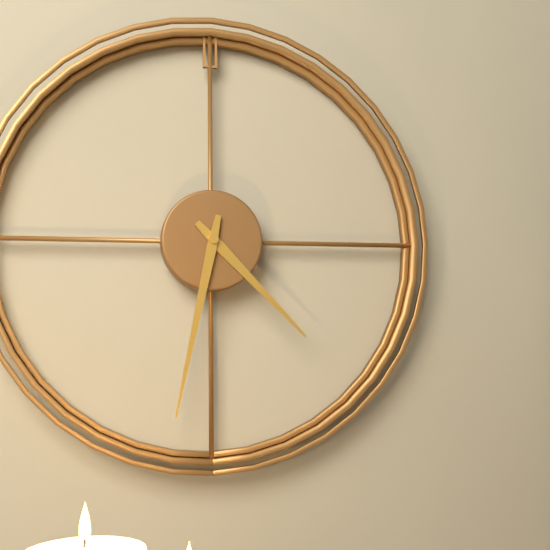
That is 4:32
